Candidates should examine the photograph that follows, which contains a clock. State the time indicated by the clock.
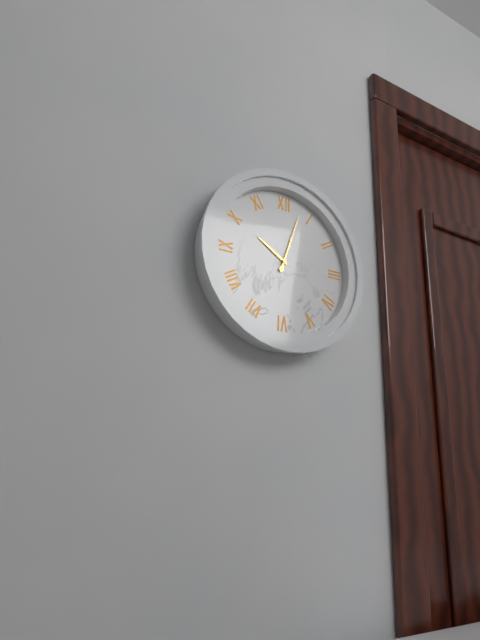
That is 10:03
